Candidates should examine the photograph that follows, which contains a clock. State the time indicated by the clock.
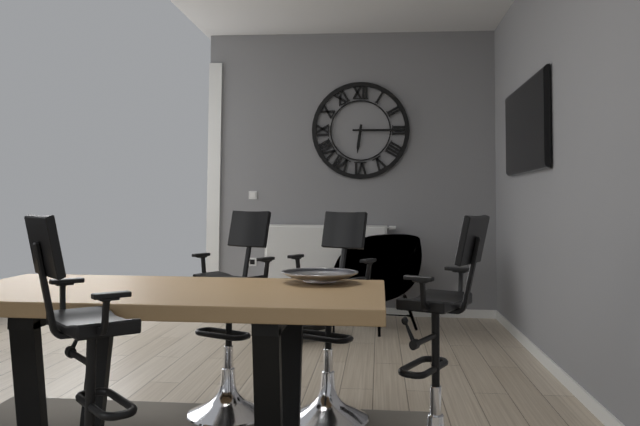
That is 6:15
